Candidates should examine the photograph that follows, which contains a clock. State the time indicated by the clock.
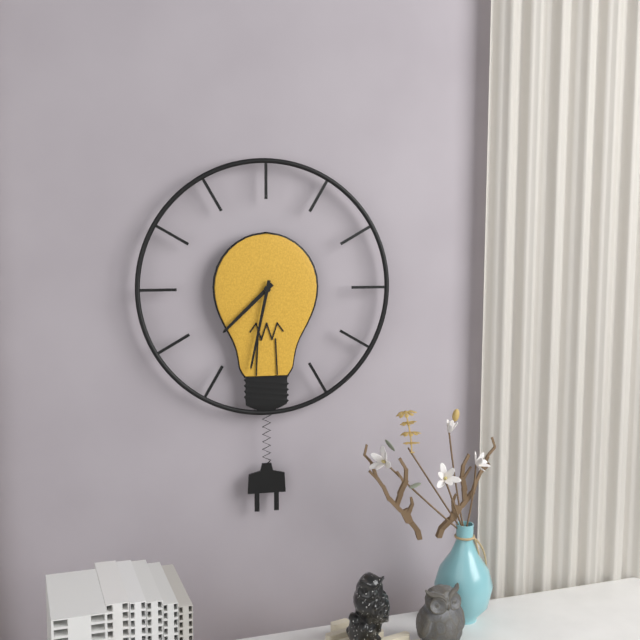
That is 7:32
